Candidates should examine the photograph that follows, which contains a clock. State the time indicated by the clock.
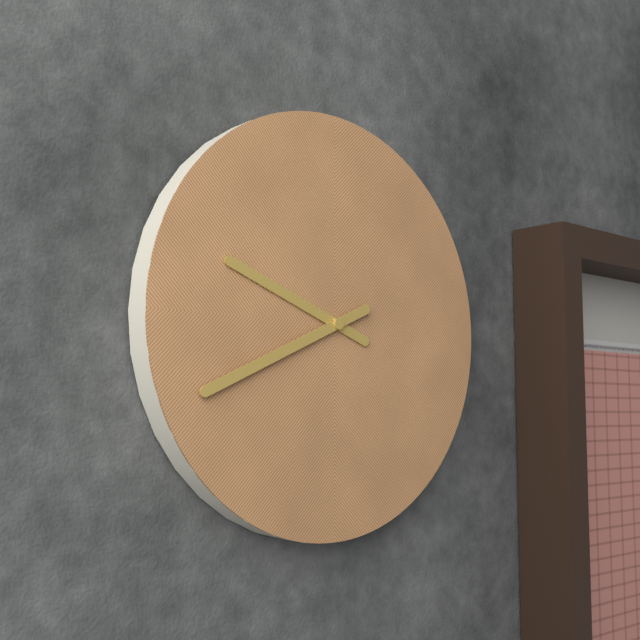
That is 9:41
